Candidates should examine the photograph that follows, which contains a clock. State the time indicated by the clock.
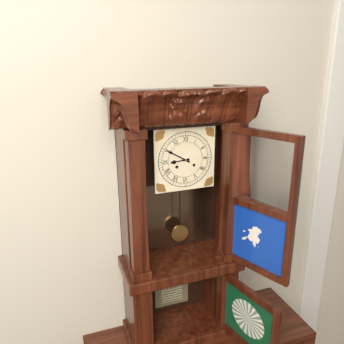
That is 8:50
